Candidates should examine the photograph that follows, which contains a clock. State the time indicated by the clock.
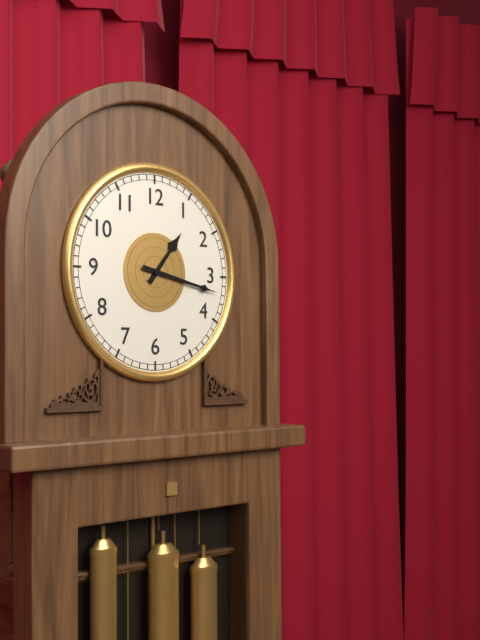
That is 1:17
